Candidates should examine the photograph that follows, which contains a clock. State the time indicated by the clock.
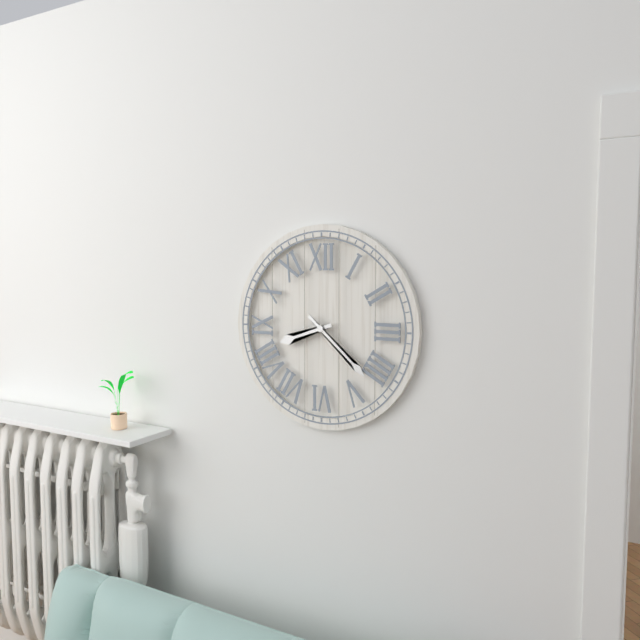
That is 8:22
